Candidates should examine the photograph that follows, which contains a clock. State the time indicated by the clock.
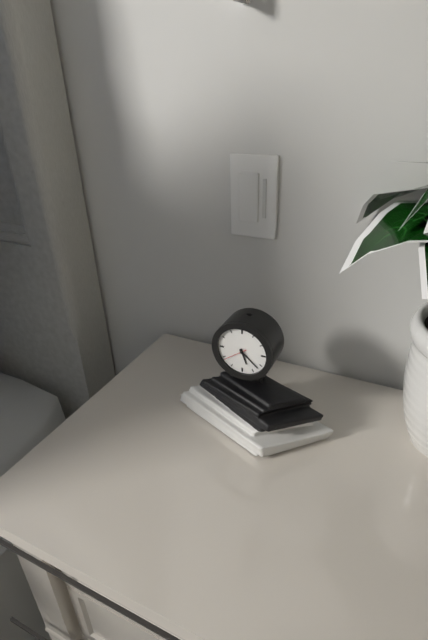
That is 5:22
